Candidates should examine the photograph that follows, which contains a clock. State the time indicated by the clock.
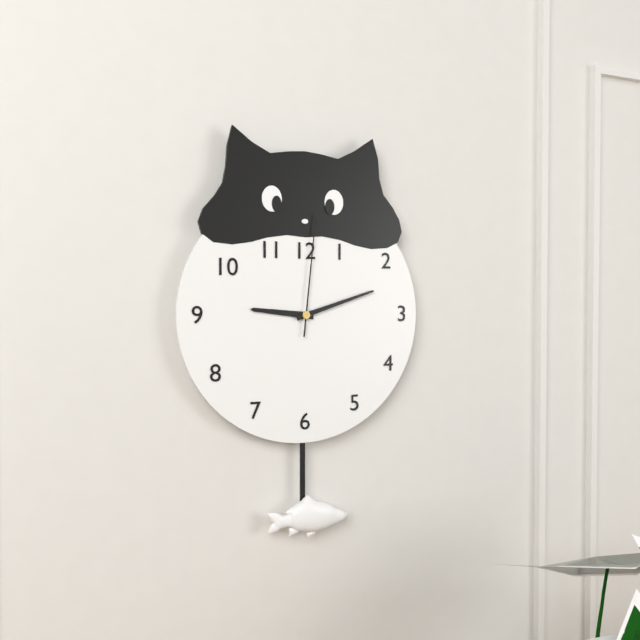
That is 9:12:01
